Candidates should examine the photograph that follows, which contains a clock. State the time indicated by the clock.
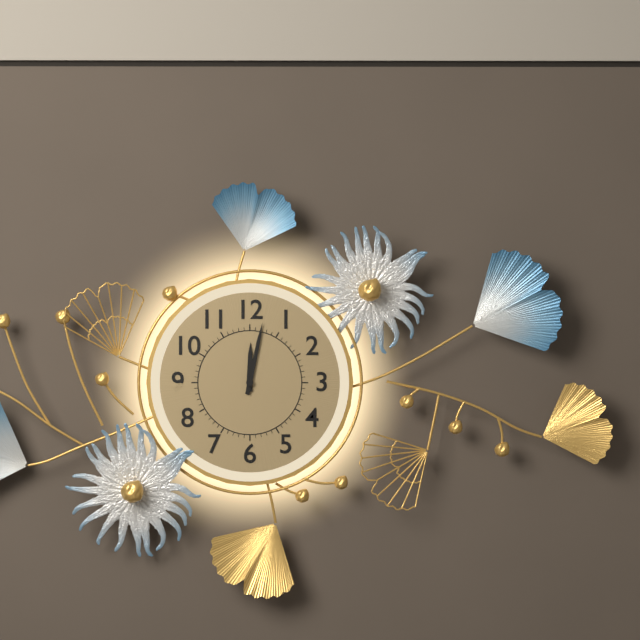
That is 12:02
